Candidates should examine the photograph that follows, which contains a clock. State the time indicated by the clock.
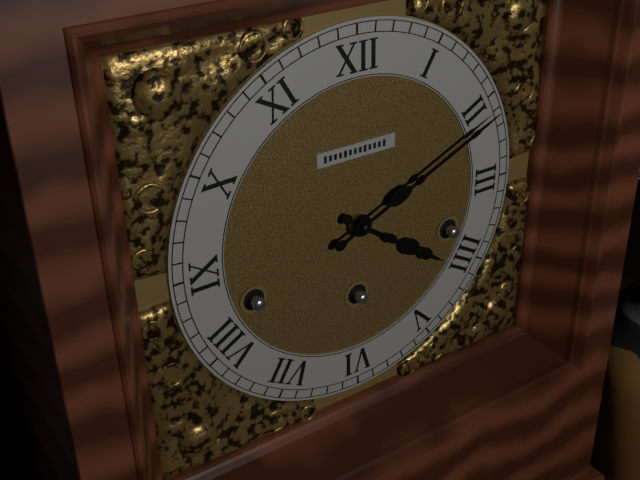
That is 4:11
